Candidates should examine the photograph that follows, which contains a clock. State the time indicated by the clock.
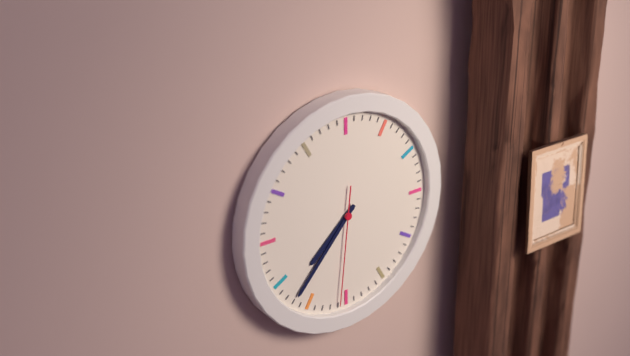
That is 7:37:31
